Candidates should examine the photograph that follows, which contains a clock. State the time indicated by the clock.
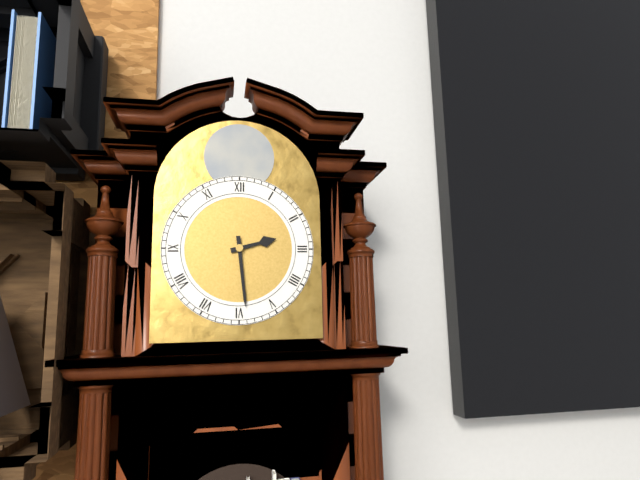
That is 2:29
